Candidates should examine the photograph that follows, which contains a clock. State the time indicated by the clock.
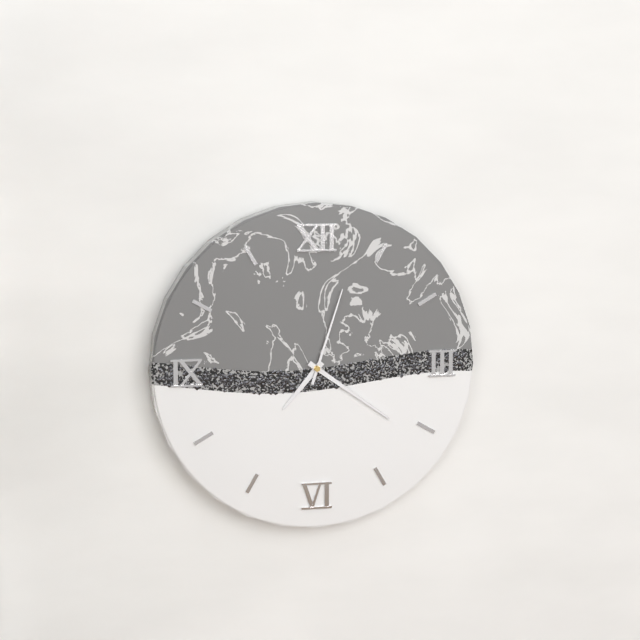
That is 7:21:03
